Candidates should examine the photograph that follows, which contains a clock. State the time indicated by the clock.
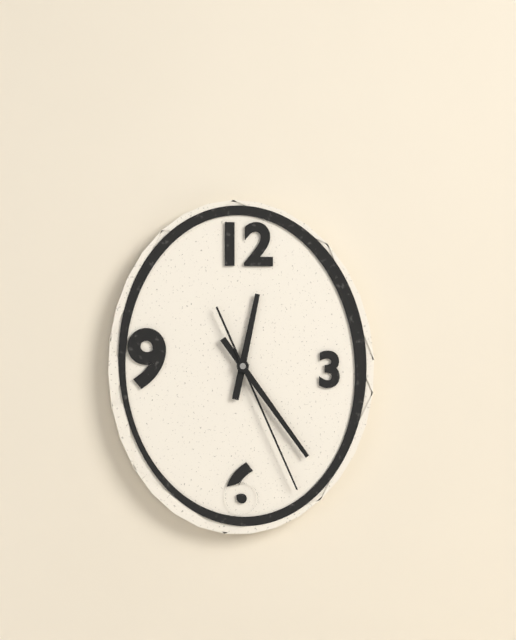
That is 12:24:26
